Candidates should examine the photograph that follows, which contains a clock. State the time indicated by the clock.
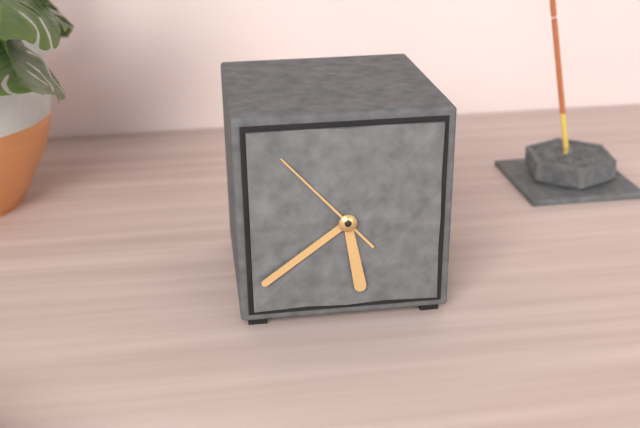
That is 5:39:53
